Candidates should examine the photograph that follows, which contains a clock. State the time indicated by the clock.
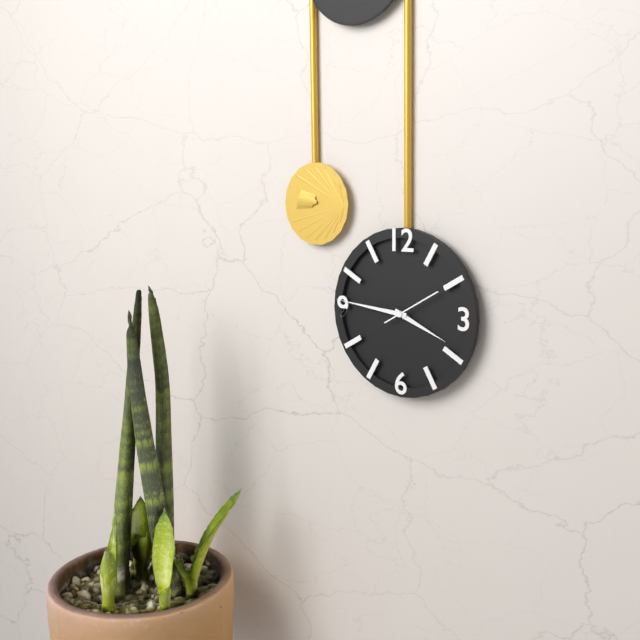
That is 3:46
